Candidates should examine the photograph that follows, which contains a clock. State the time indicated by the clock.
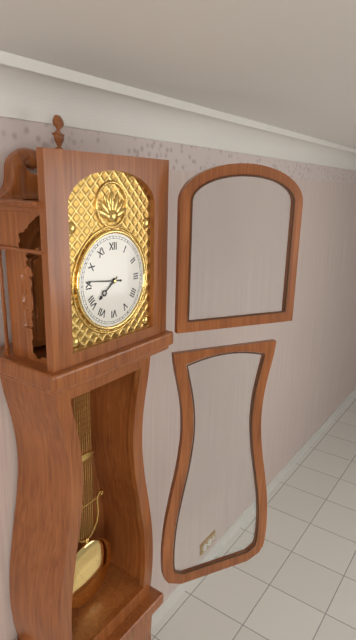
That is 7:46
